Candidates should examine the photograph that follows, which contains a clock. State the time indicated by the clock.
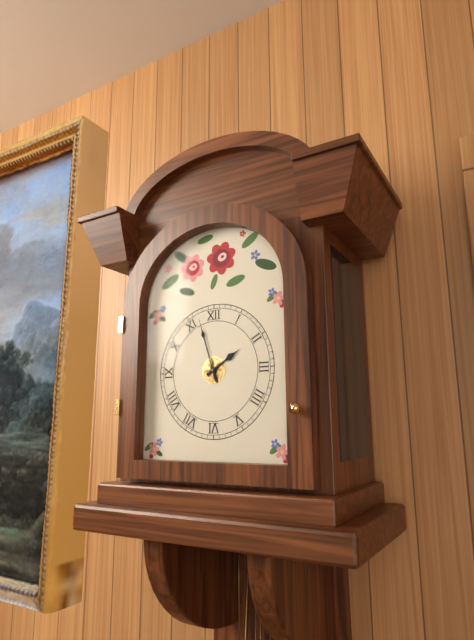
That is 1:57
